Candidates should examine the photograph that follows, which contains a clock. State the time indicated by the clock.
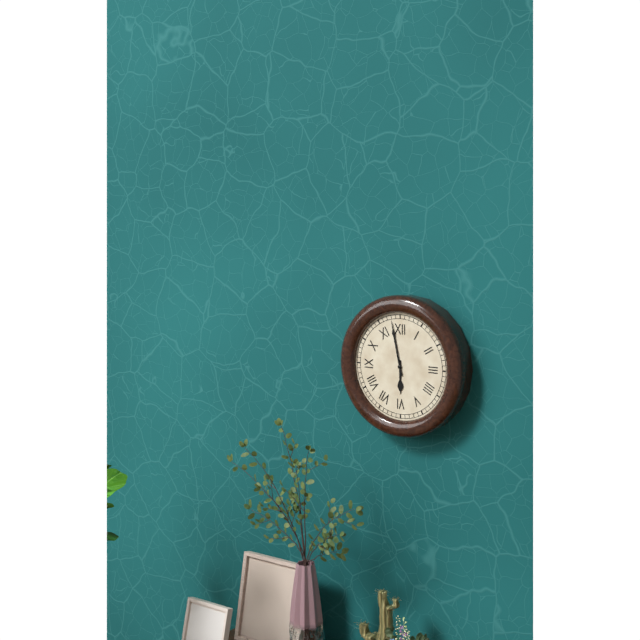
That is 5:58
